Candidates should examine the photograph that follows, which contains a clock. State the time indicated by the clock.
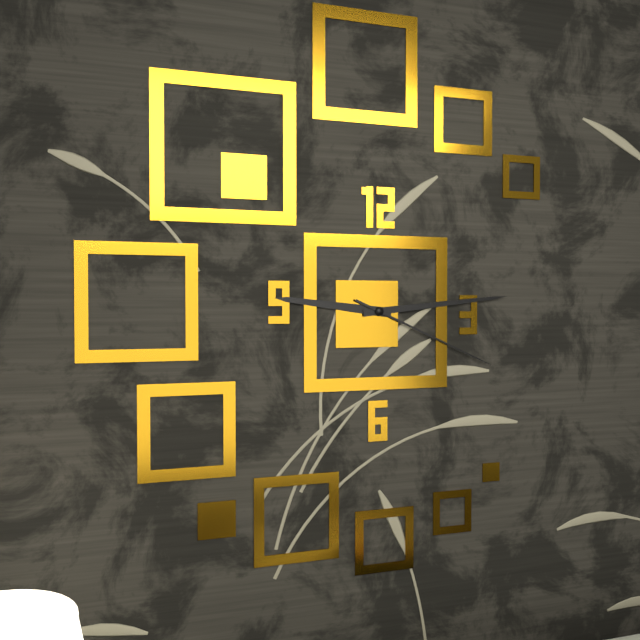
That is 9:14:19
